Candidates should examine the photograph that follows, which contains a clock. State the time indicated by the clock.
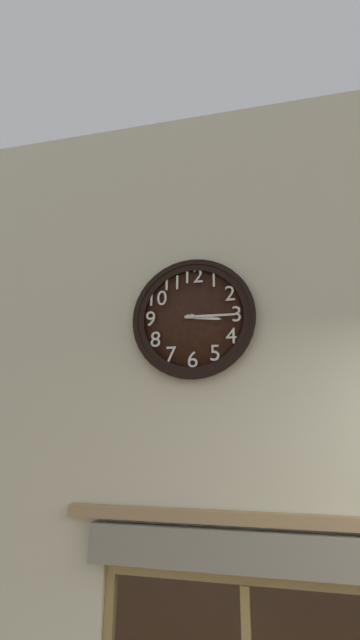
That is 3:15
